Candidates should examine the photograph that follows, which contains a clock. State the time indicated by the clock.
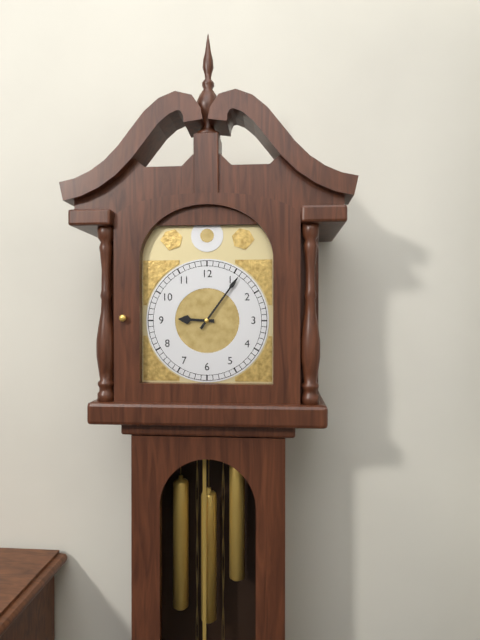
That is 9:06
